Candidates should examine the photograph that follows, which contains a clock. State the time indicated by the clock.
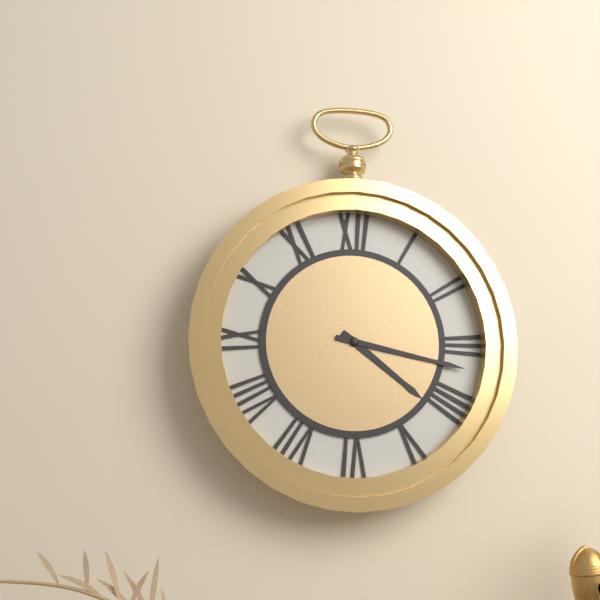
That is 4:17
